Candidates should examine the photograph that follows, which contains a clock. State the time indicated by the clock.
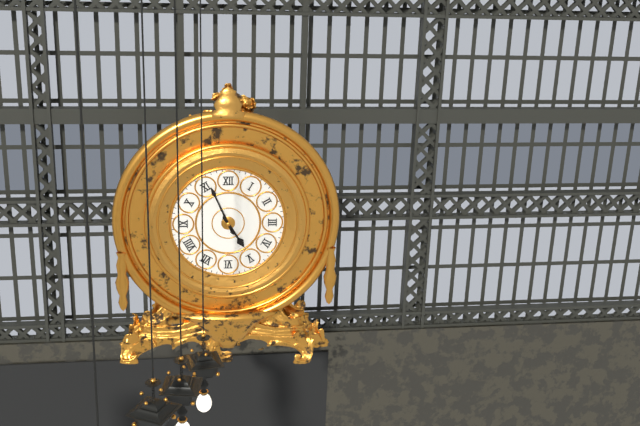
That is 4:56
